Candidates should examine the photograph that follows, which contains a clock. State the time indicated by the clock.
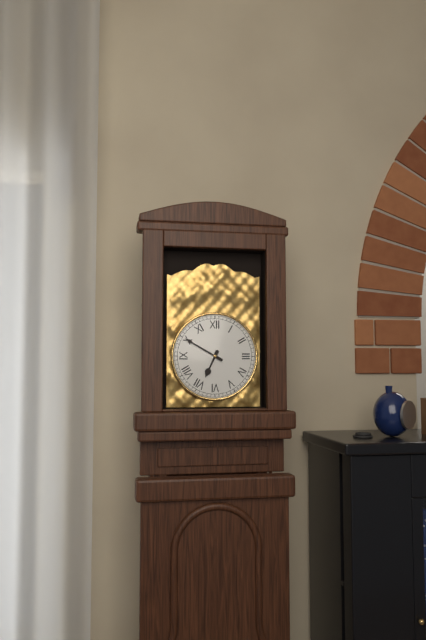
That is 6:50
